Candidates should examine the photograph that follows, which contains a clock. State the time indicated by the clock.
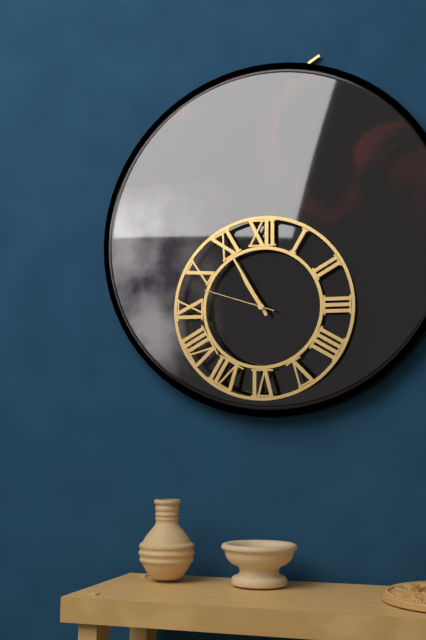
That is 10:55:48
